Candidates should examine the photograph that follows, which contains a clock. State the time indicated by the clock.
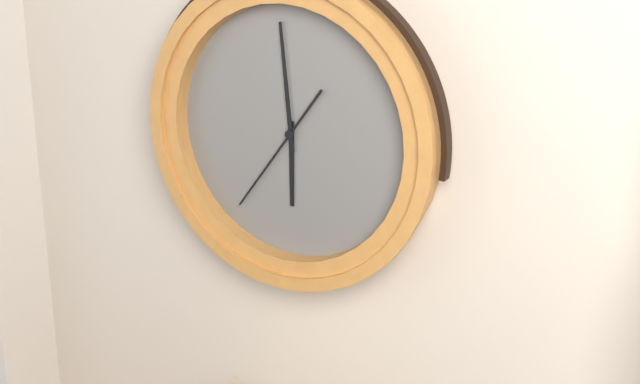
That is 5:59:36
